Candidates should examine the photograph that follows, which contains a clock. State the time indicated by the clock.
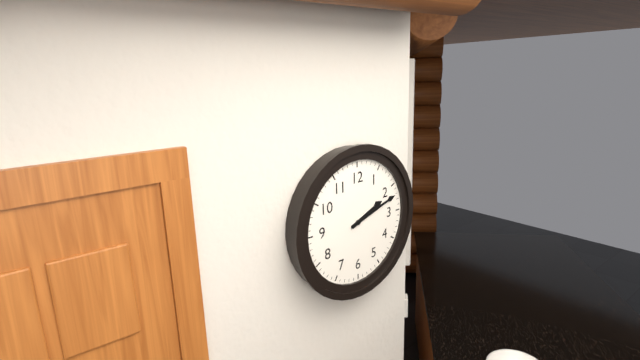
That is 2:12
